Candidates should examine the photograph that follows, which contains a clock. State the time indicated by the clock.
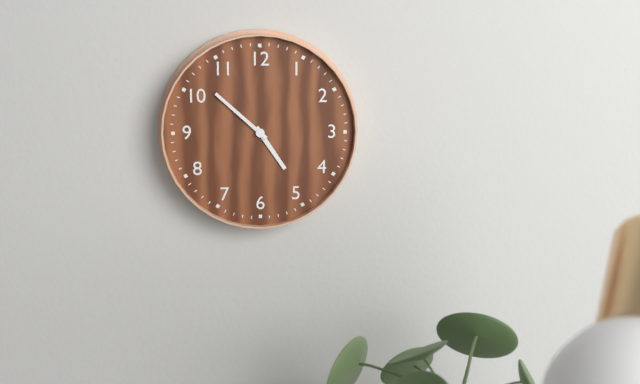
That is 4:52
